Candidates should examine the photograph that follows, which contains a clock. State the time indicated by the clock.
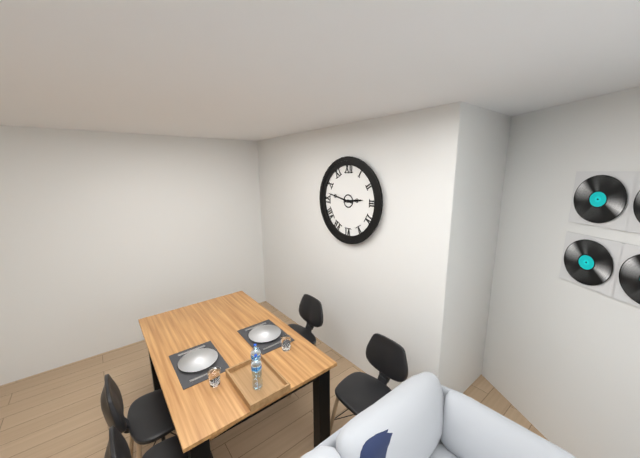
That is 2:47
